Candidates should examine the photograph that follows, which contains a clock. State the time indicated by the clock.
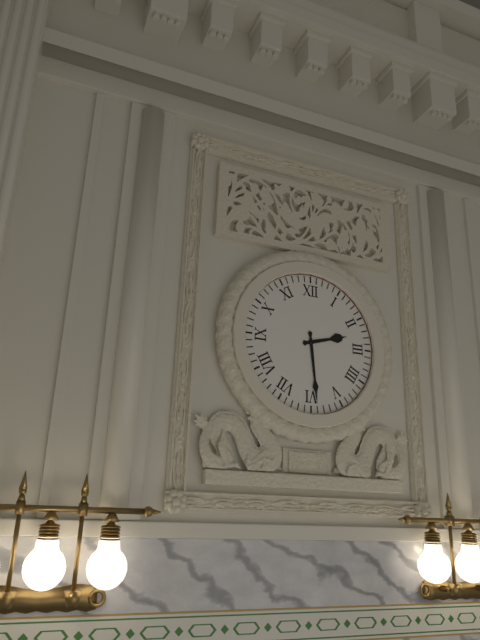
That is 2:29
